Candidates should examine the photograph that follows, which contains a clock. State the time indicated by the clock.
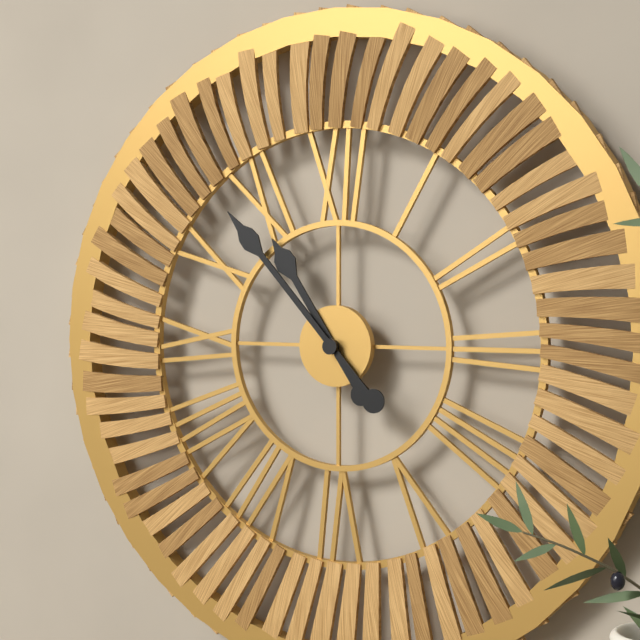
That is 10:53
